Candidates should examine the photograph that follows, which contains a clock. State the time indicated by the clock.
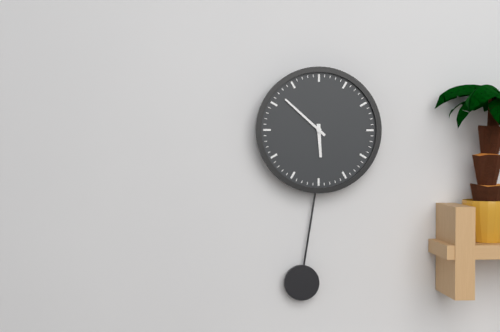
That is 5:52
